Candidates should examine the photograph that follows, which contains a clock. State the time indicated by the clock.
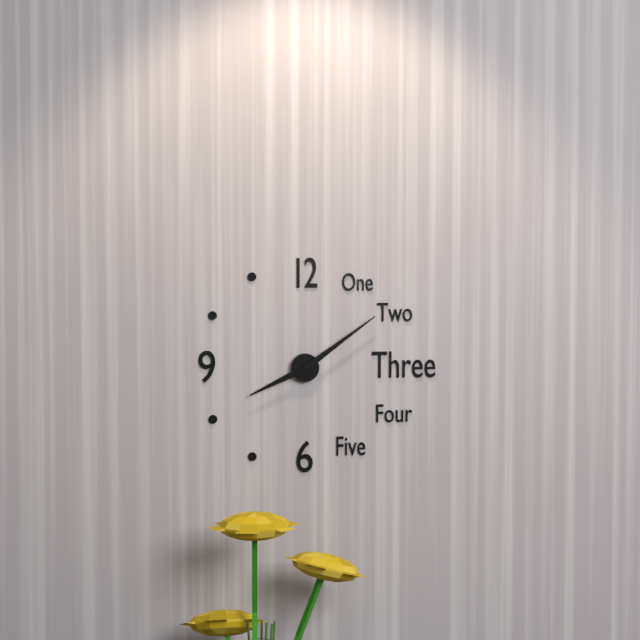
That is 8:09
